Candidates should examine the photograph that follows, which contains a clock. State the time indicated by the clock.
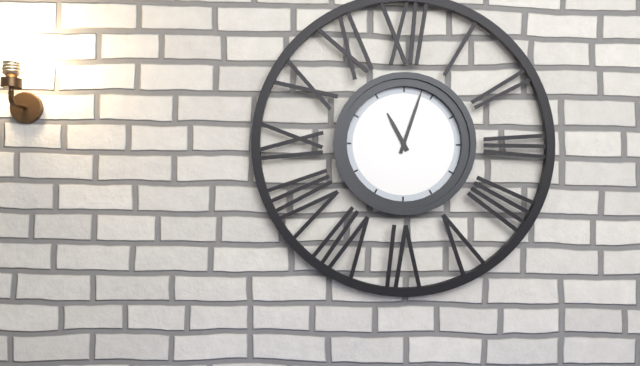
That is 11:03
